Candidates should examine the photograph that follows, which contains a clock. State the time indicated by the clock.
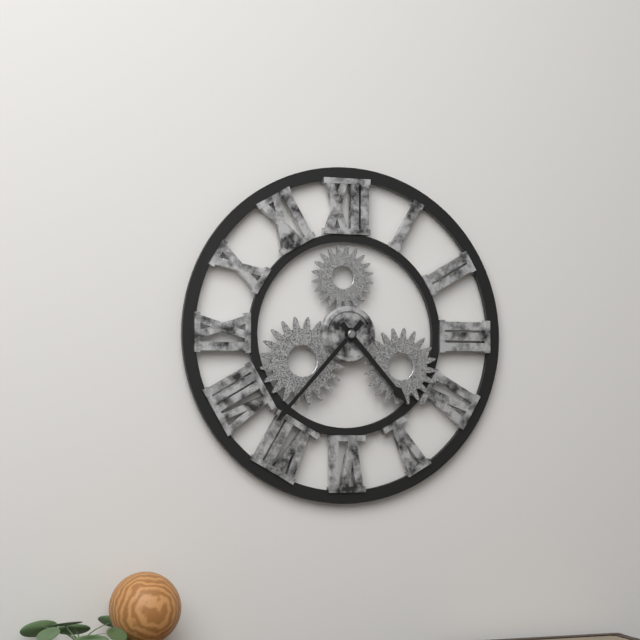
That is 4:37
